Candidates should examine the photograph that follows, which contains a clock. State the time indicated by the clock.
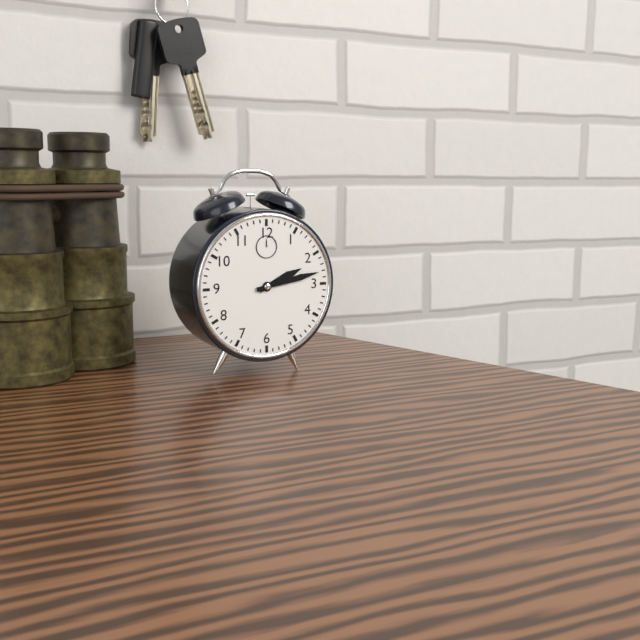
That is 2:13
